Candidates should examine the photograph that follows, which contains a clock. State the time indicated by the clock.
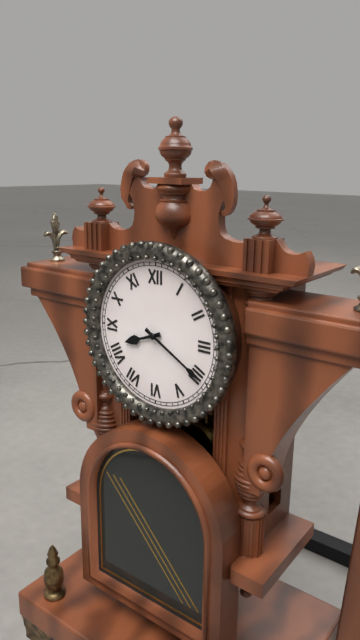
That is 8:20
